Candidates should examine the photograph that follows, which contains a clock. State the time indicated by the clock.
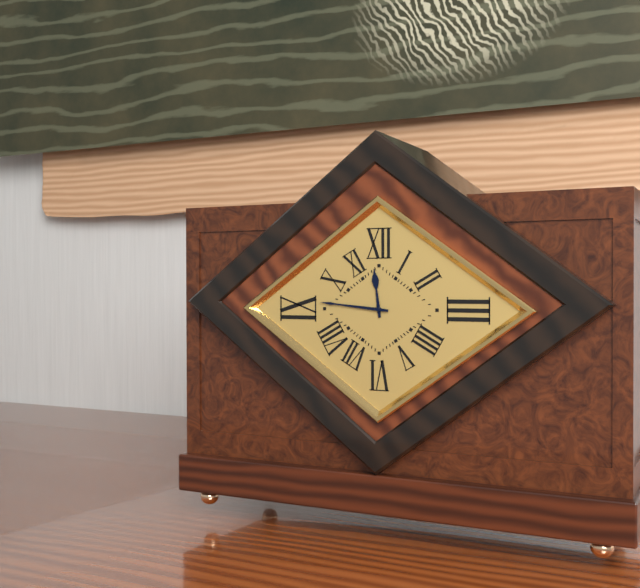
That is 11:46
